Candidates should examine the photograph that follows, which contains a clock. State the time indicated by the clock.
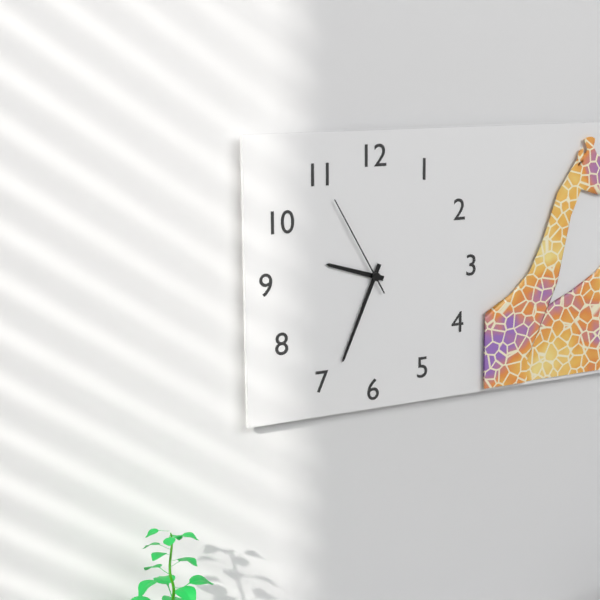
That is 9:34:55
